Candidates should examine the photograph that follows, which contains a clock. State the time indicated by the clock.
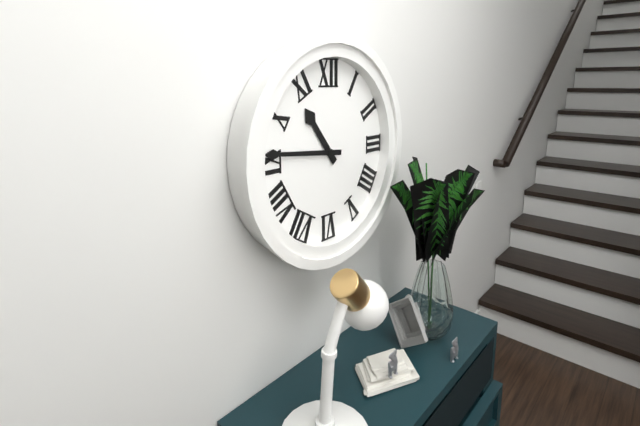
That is 10:46
